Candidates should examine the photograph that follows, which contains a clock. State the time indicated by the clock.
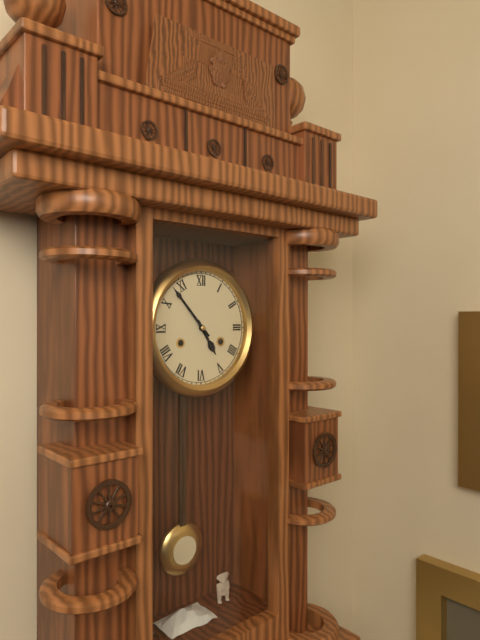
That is 4:53
